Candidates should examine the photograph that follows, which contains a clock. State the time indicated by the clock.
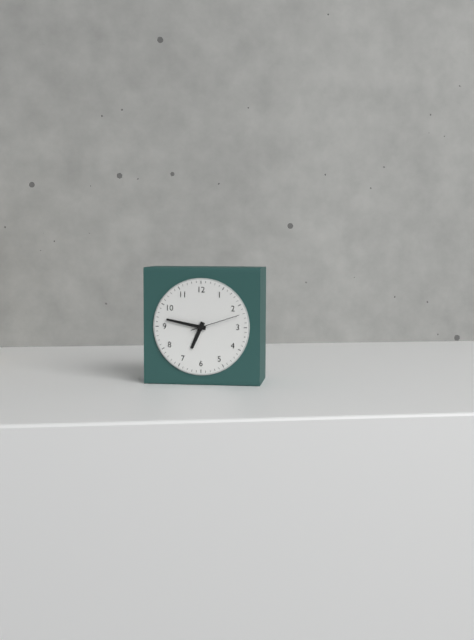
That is 6:47:12
